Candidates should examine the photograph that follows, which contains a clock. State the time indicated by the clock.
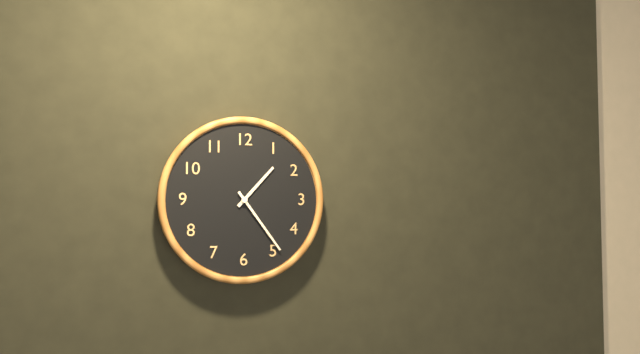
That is 1:24
